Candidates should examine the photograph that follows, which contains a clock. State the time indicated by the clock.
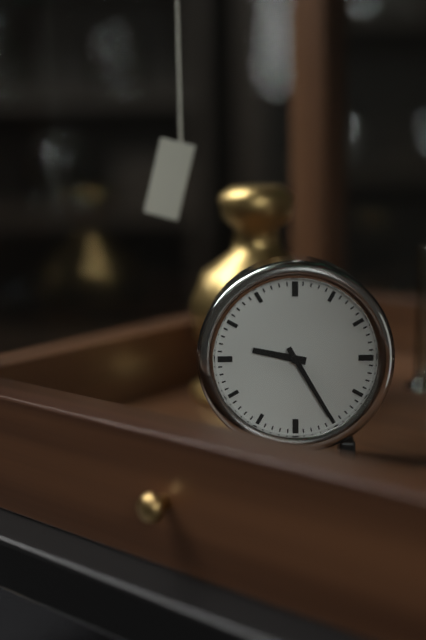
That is 9:25
